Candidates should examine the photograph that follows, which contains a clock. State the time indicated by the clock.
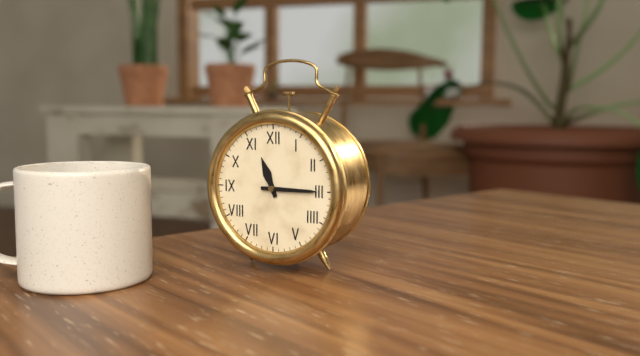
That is 11:15
